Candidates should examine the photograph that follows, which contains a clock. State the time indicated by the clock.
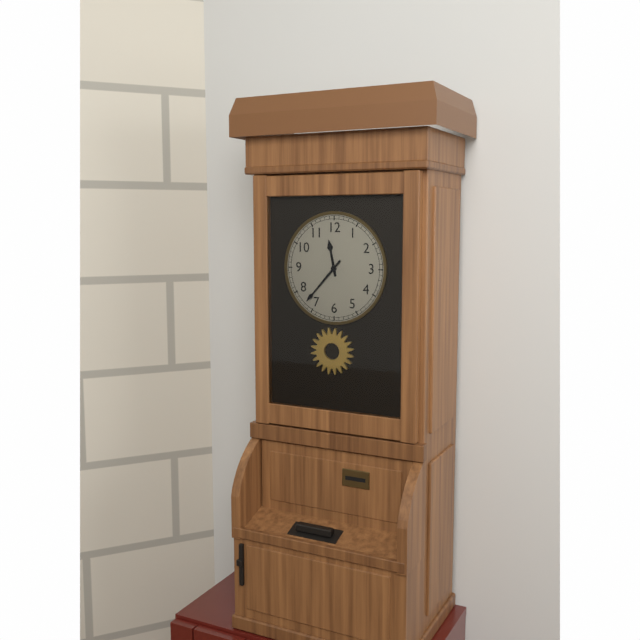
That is 11:37
